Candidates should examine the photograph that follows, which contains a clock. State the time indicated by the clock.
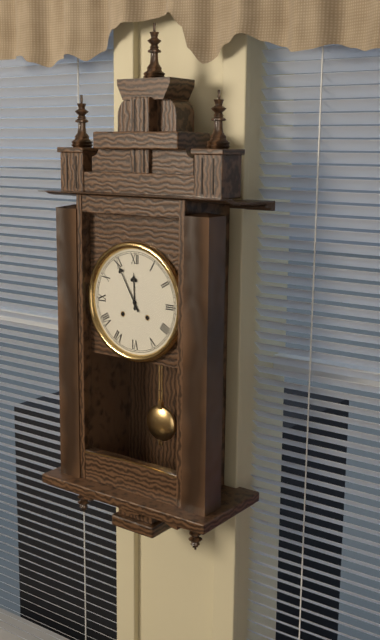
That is 11:55
